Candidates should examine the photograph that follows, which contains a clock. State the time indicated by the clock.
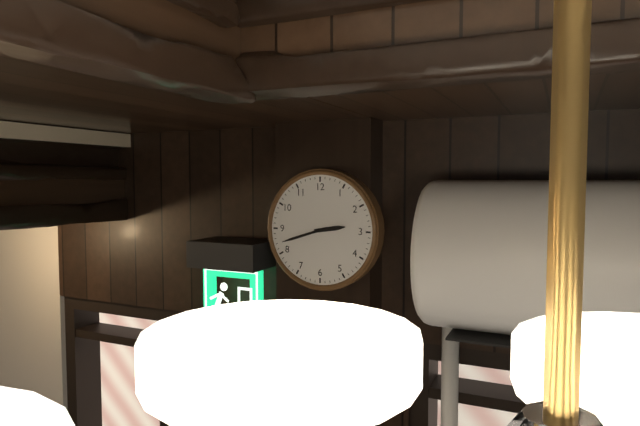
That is 2:42
